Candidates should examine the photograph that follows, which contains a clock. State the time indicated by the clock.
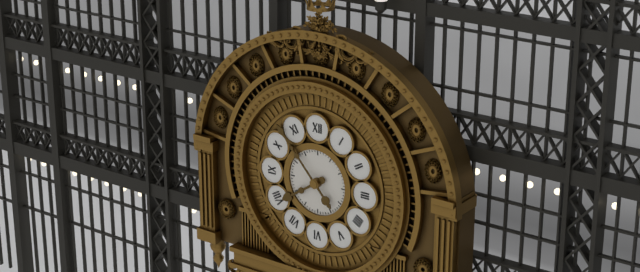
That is 7:53
